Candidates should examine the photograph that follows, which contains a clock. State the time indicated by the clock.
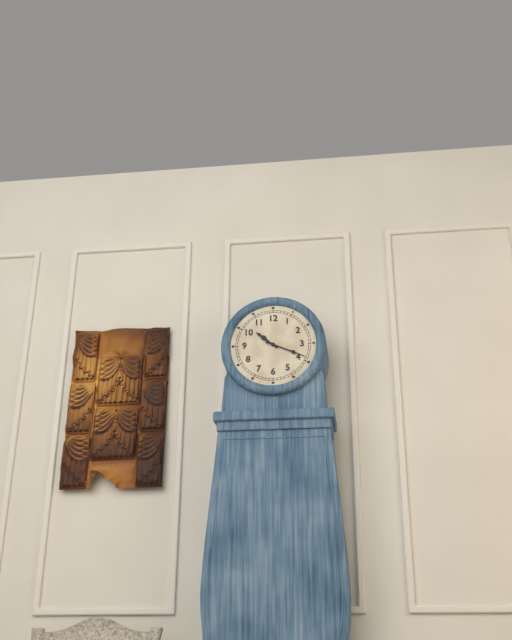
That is 10:19
